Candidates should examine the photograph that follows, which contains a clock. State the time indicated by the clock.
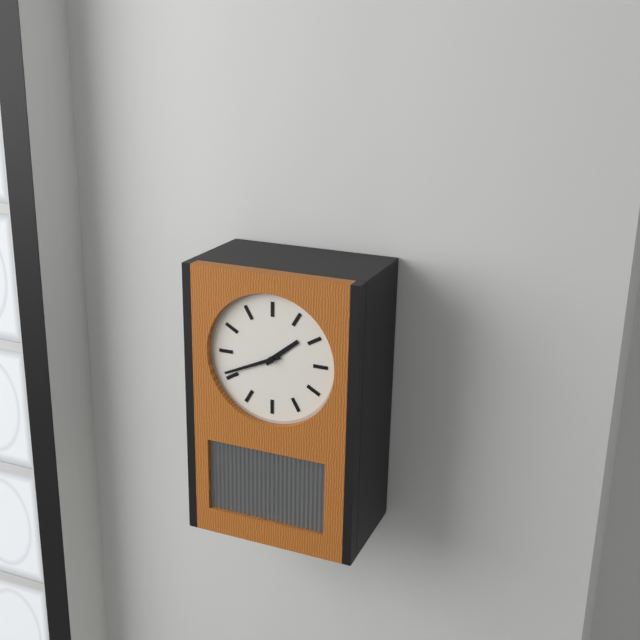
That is 1:41
